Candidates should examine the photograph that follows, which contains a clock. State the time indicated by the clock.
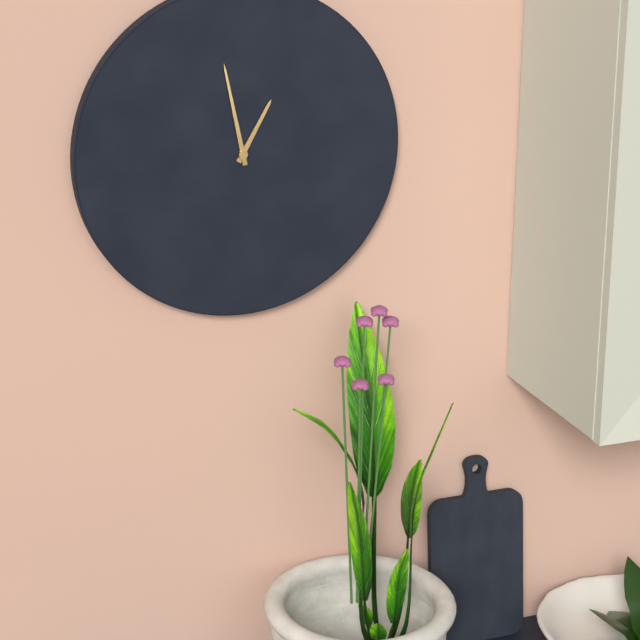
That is 12:58
